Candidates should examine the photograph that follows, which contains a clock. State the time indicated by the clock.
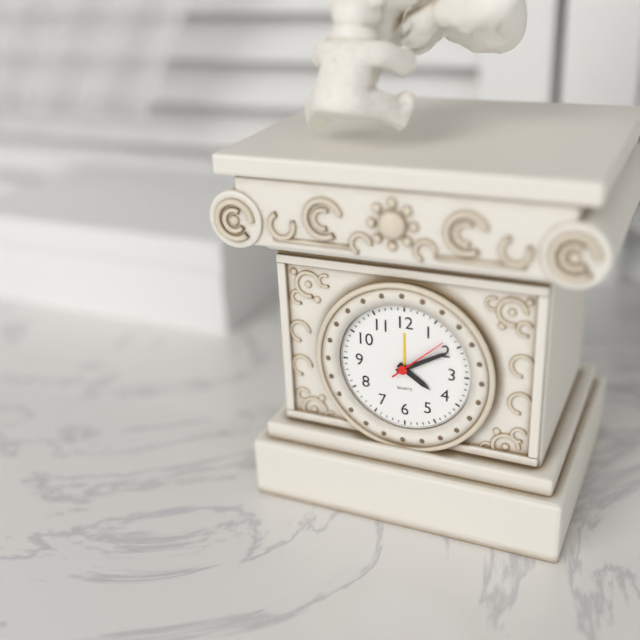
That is 4:10:08
